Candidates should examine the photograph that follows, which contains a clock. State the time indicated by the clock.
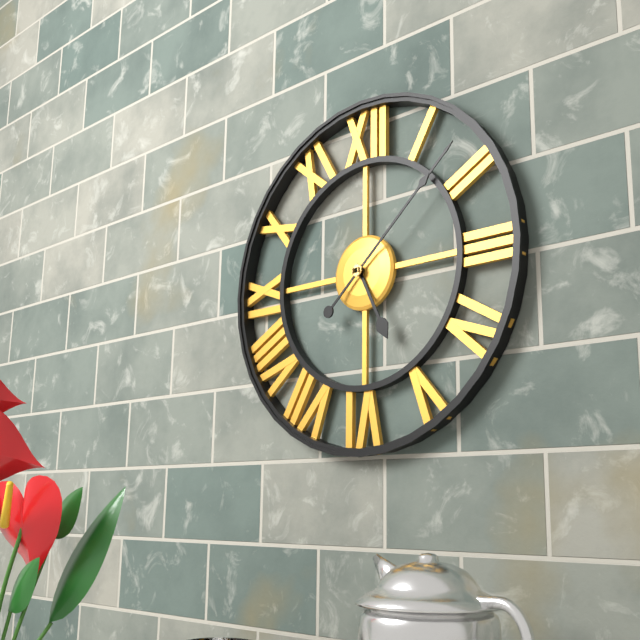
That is 5:08
